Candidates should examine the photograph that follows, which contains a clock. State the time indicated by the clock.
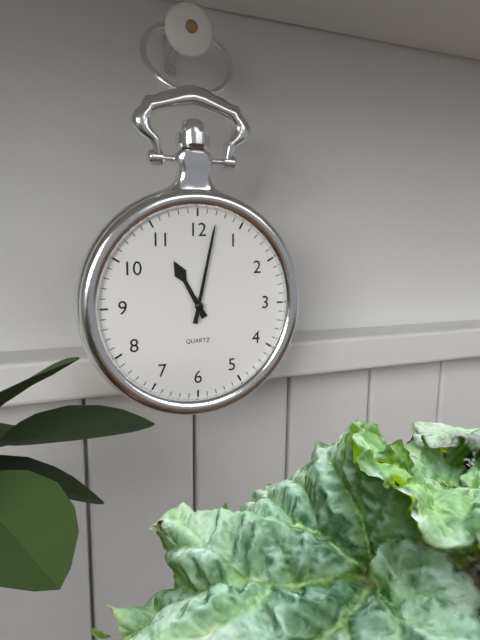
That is 11:02
